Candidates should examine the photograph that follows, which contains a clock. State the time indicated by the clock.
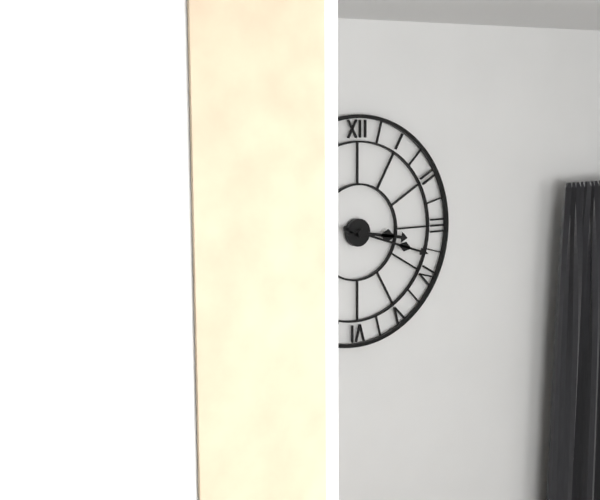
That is 3:18
